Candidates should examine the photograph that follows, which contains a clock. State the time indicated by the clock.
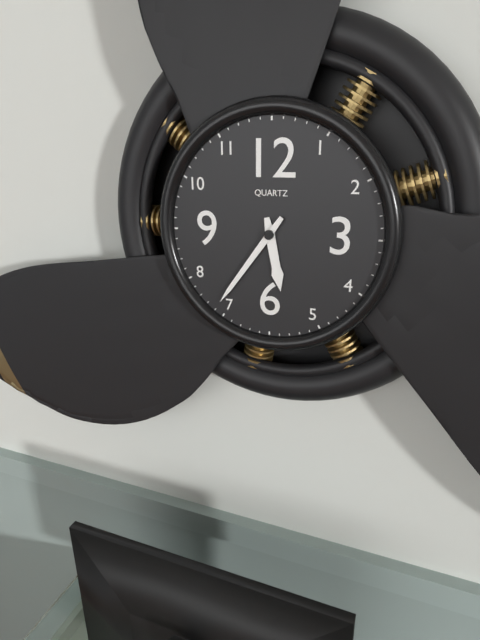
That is 5:36
